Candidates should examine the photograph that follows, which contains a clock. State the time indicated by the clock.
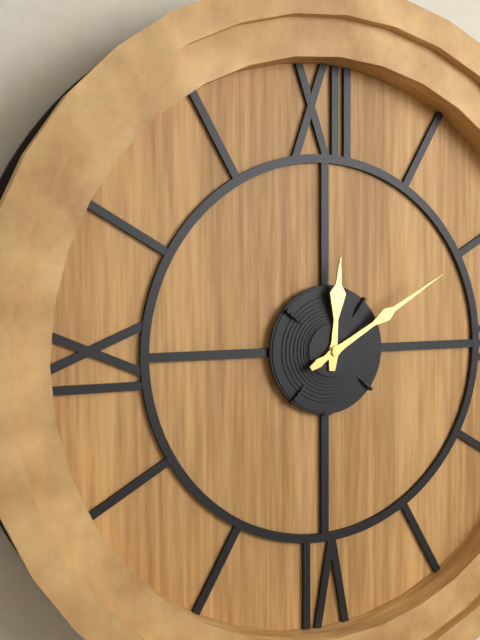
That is 12:10
